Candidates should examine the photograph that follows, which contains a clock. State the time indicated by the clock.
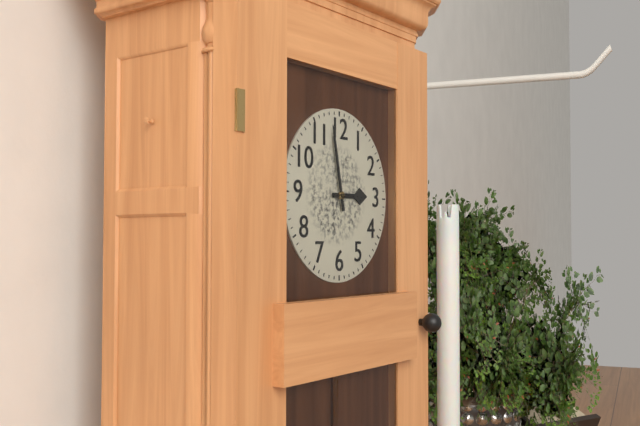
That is 2:58
